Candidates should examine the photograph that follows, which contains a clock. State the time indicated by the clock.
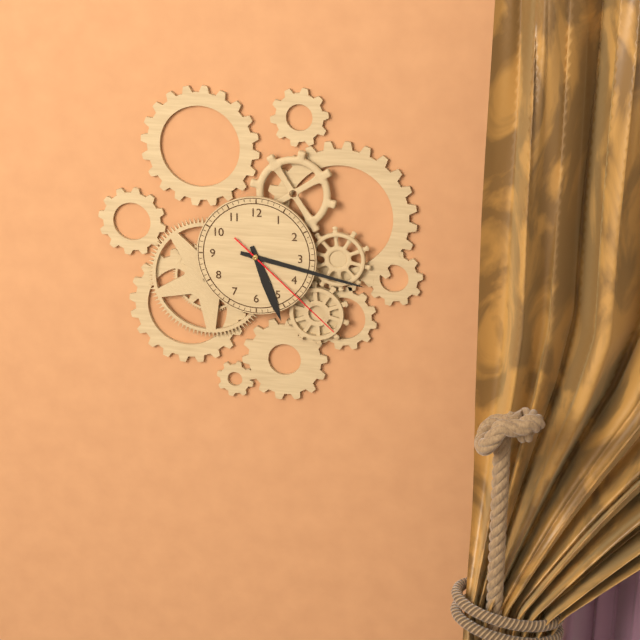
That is 5:17:22
